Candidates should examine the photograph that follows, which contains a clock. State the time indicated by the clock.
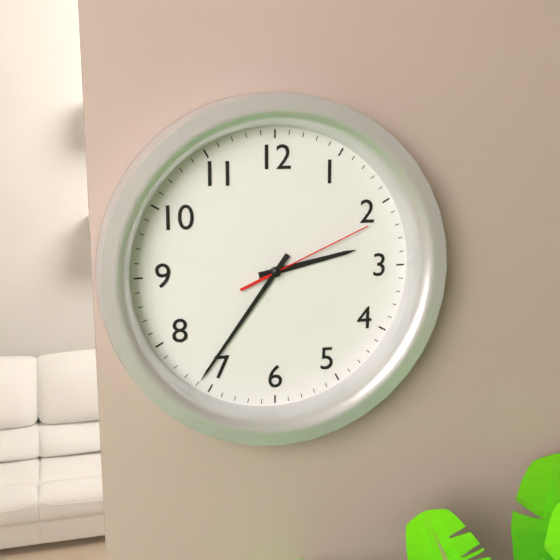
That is 2:36:11
